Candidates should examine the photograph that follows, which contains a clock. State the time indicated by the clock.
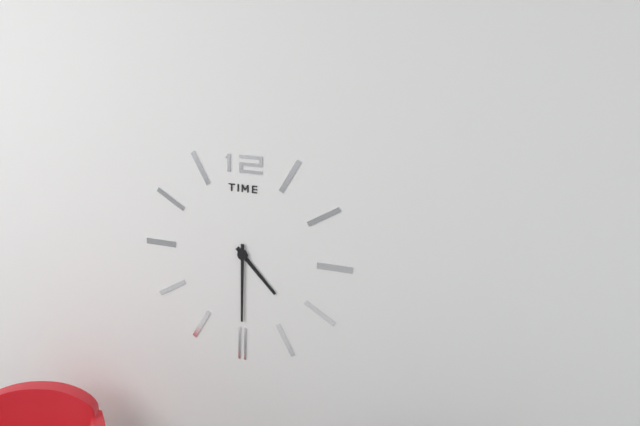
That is 4:30
